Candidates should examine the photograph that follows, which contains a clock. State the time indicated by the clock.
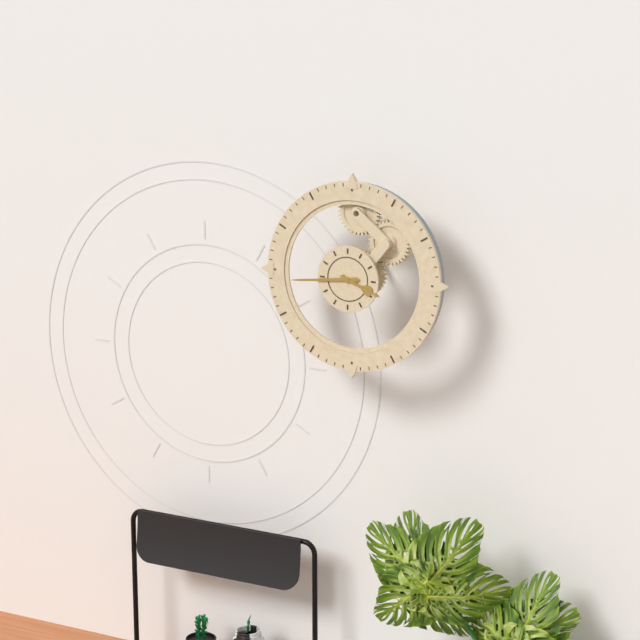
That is 3:44
